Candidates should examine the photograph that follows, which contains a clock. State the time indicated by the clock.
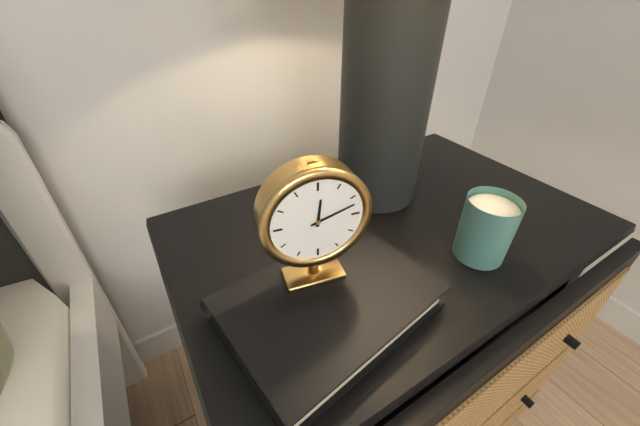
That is 12:12
